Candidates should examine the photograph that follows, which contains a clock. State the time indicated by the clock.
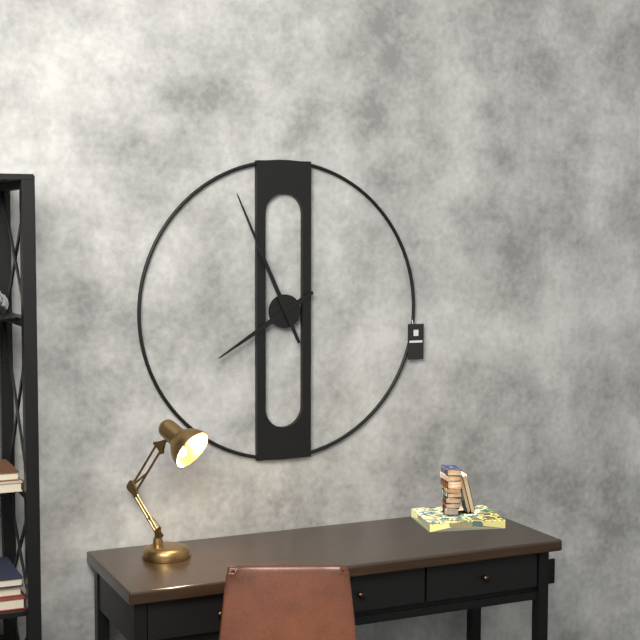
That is 7:56
